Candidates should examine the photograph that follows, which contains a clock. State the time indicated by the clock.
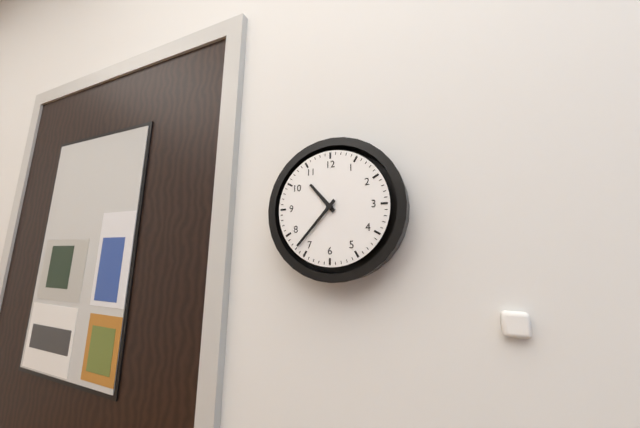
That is 10:37
